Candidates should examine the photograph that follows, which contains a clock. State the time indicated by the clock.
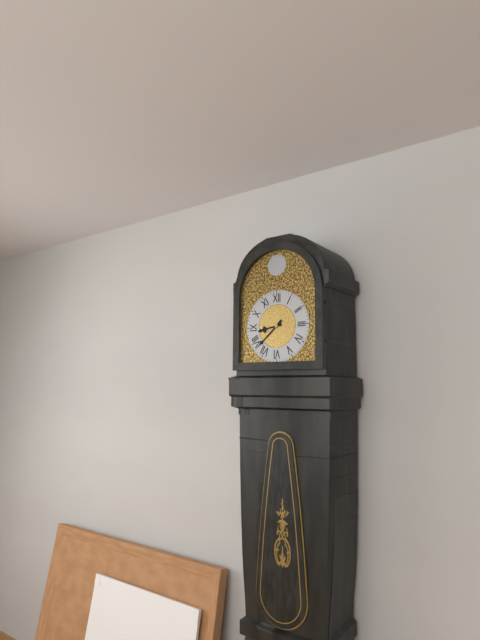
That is 8:38
